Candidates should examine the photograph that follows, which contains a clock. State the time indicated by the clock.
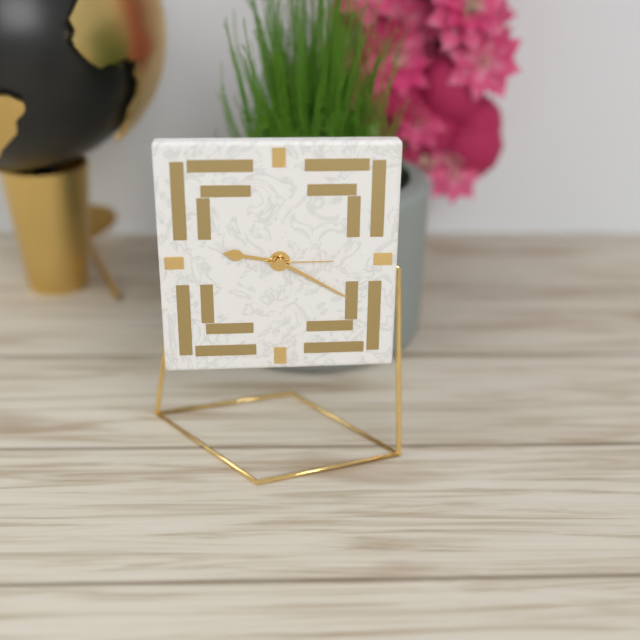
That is 9:20:15
